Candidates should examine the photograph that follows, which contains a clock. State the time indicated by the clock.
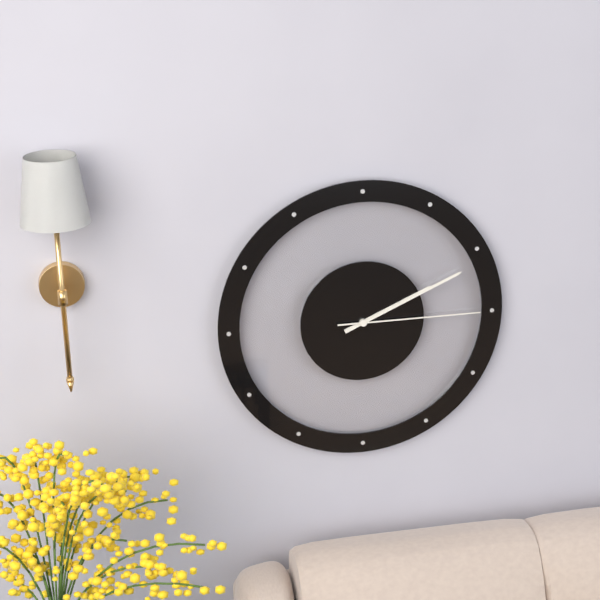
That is 2:11:15
